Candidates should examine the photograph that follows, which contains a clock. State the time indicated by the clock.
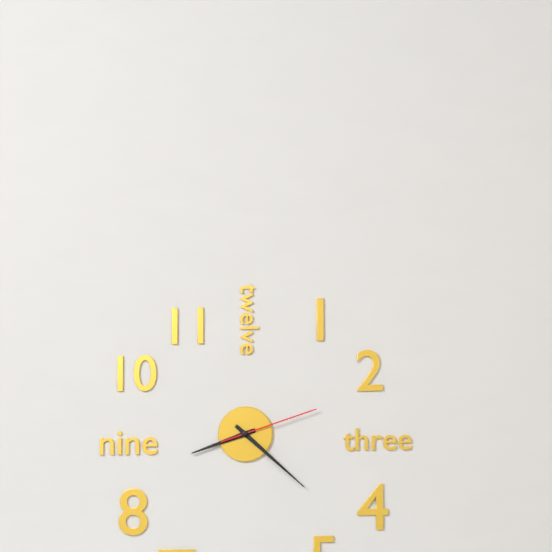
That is 8:22:12
